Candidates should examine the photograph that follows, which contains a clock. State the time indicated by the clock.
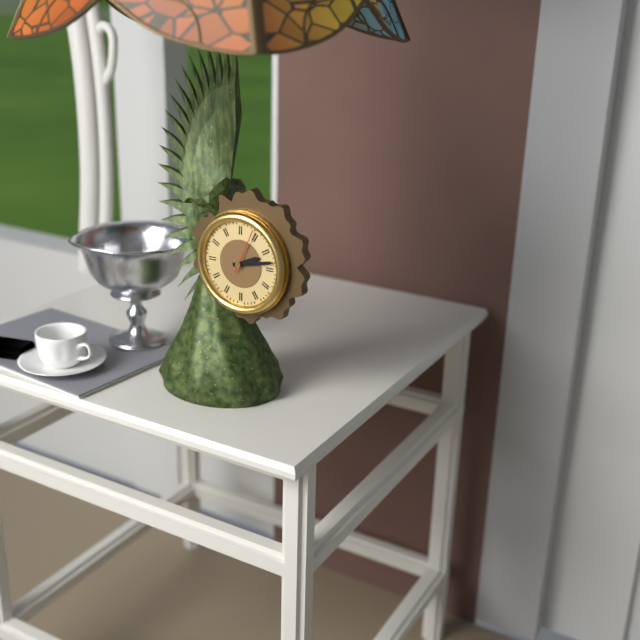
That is 2:13
